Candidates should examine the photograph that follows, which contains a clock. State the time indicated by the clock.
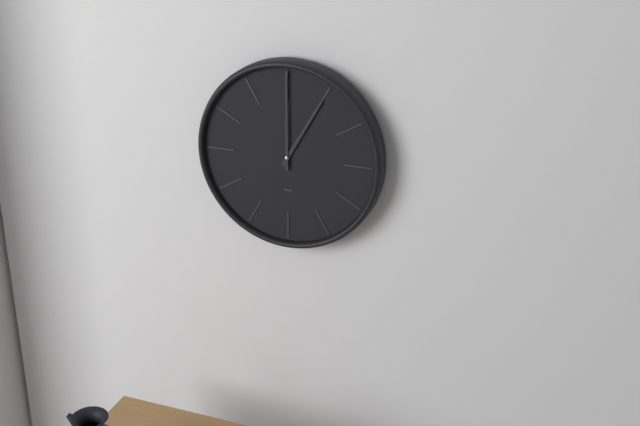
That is 1:00
